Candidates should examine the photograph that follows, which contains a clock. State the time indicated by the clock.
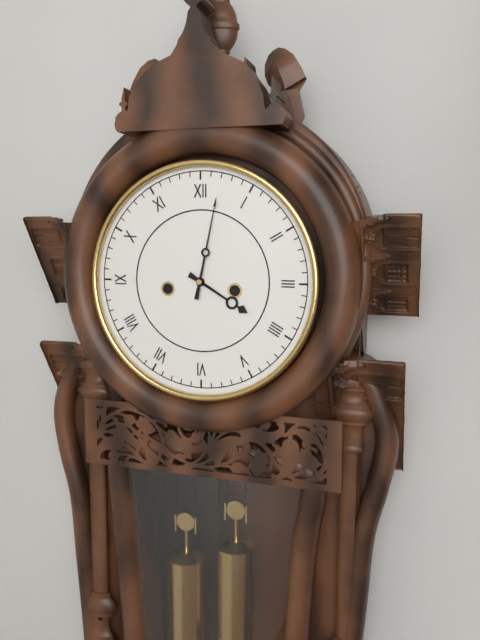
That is 4:02
